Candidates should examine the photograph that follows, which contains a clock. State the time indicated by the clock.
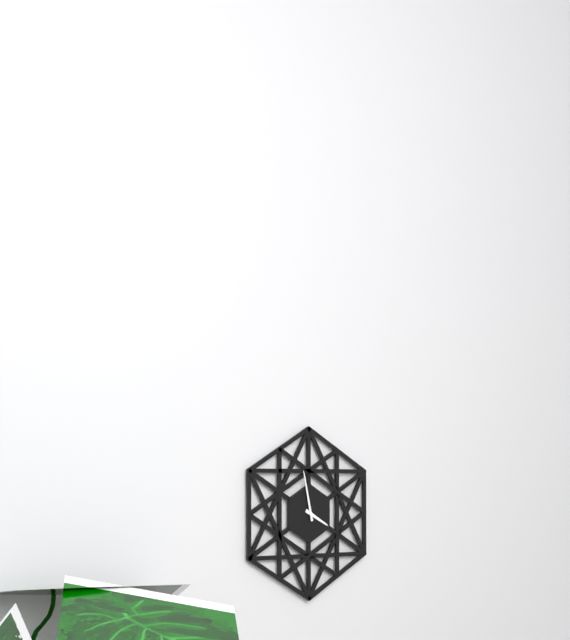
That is 3:58
